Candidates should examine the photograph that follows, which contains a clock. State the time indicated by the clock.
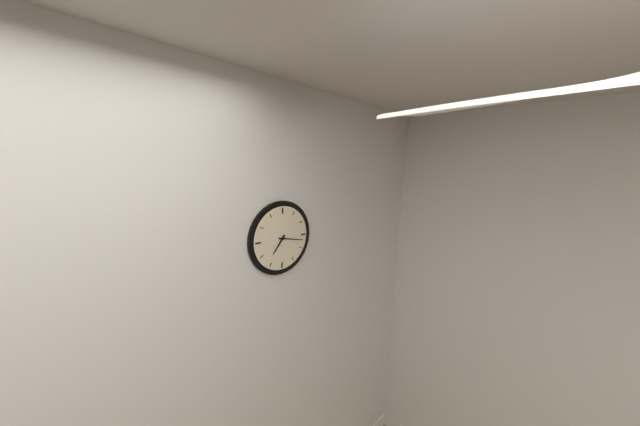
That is 7:17
